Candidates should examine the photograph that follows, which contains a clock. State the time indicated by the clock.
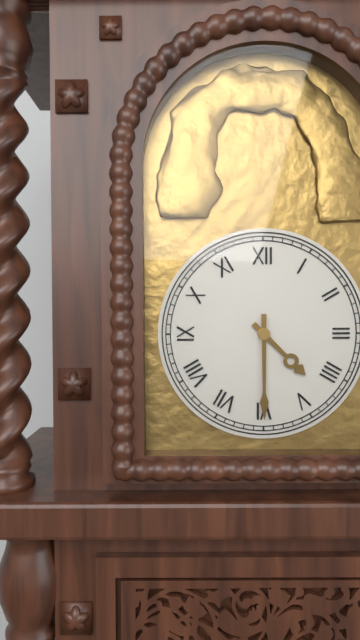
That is 4:30
